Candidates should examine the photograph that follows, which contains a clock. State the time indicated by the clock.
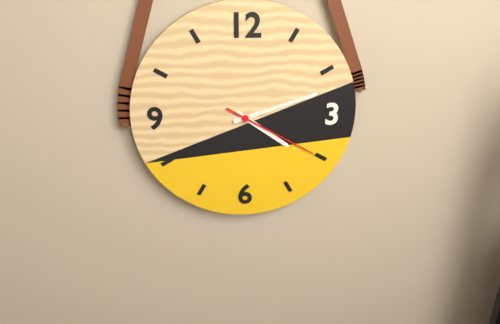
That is 4:12:20
